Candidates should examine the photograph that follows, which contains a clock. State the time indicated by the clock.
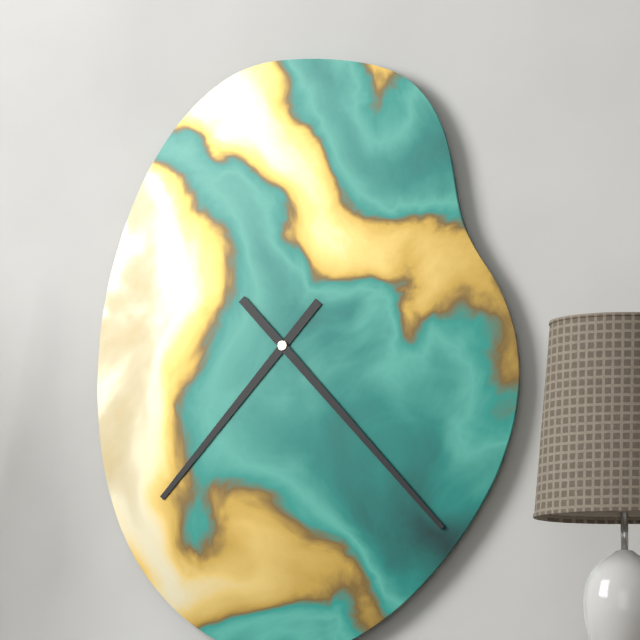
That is 7:23
